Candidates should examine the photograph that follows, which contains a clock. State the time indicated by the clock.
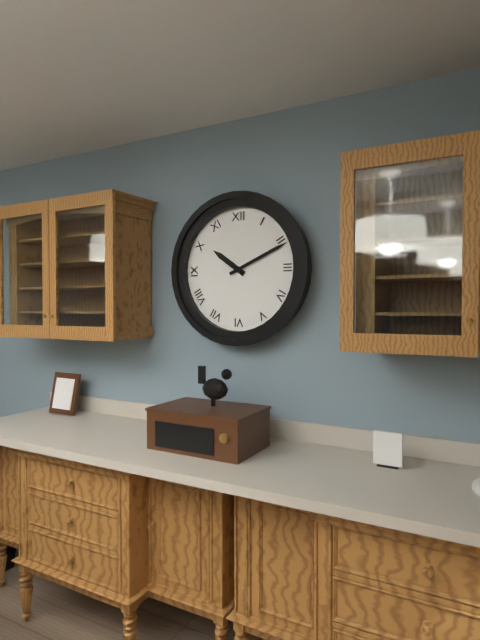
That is 10:11
